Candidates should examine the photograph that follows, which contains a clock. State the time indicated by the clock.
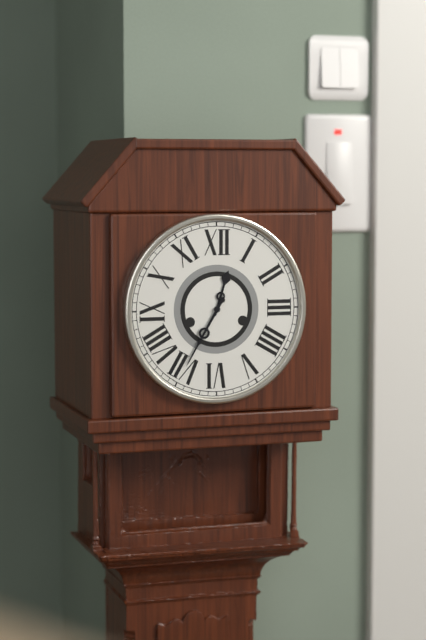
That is 12:35
